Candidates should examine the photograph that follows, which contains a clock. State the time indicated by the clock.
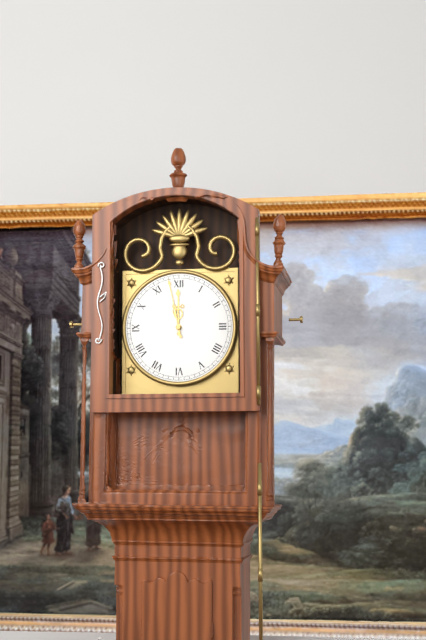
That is 11:58
